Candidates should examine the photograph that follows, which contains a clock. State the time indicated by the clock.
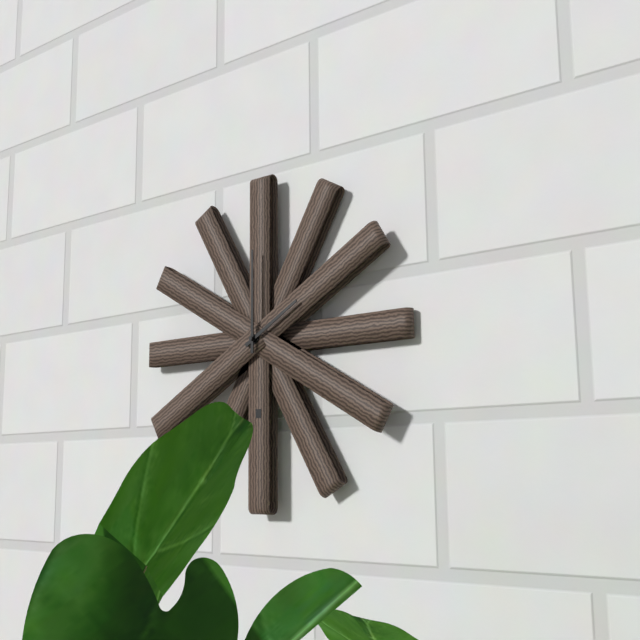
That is 2:00
